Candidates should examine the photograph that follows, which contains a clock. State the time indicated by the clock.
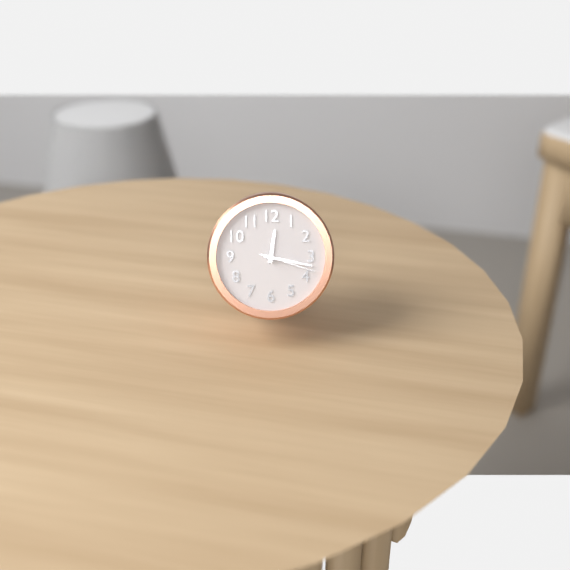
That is 12:17:18
